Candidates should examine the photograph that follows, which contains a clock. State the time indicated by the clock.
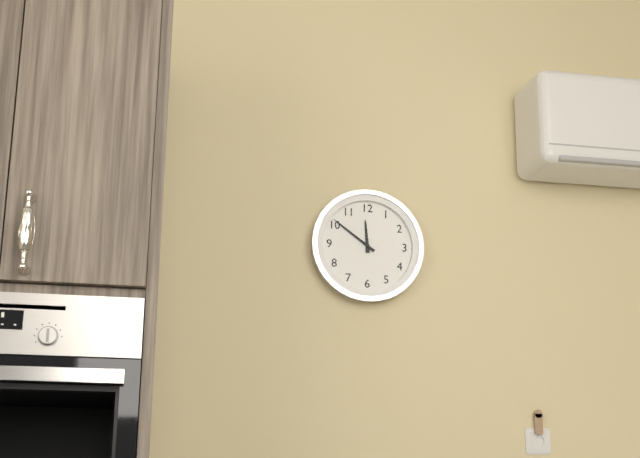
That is 11:51
